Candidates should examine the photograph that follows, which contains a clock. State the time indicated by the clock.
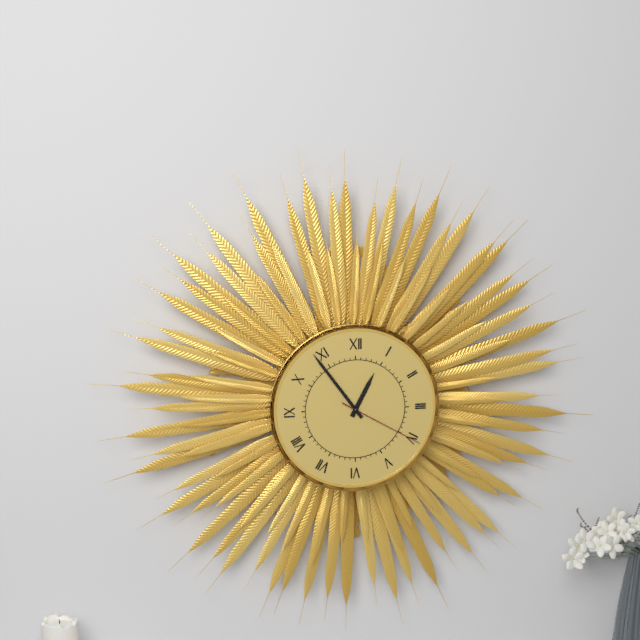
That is 12:54:20
